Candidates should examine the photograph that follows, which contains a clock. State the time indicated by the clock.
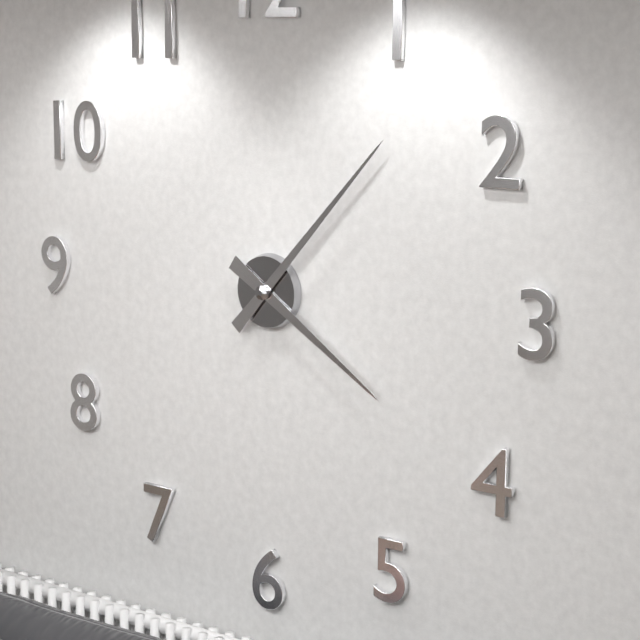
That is 4:07
